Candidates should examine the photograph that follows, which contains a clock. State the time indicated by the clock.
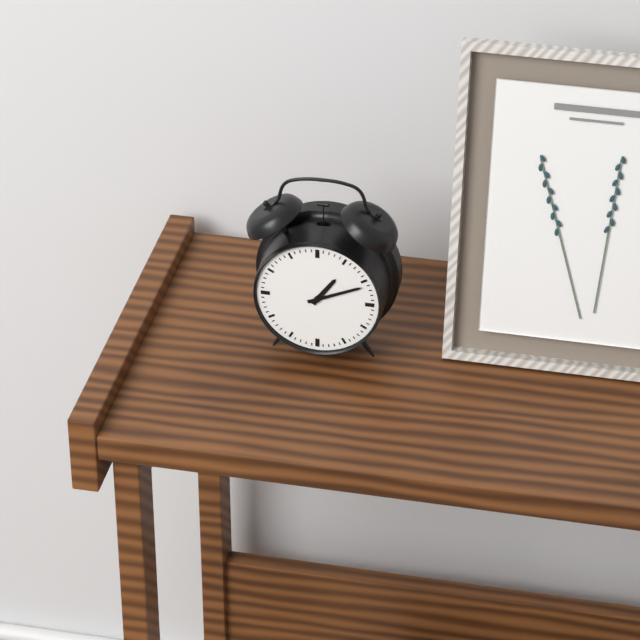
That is 1:11
